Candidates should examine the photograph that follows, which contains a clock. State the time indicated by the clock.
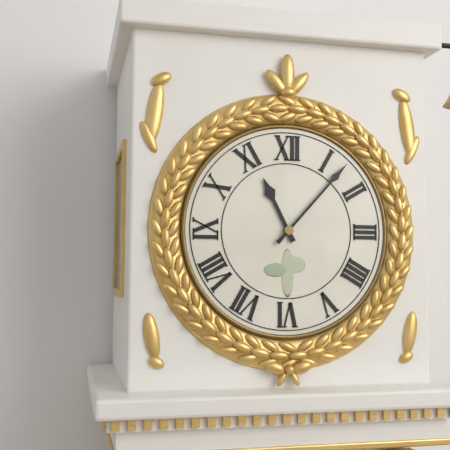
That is 11:07
